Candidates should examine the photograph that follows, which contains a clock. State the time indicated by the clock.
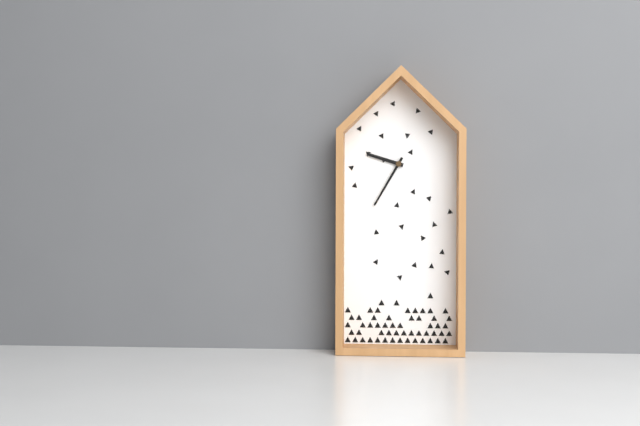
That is 9:35
